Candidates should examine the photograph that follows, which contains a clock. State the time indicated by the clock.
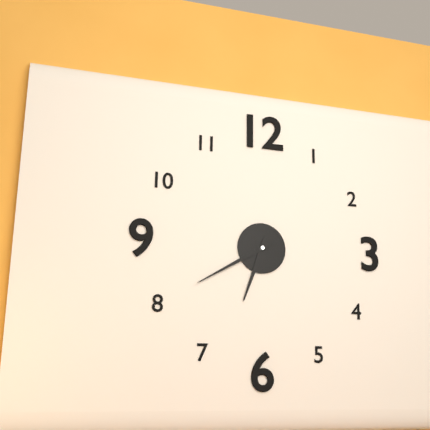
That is 6:40
